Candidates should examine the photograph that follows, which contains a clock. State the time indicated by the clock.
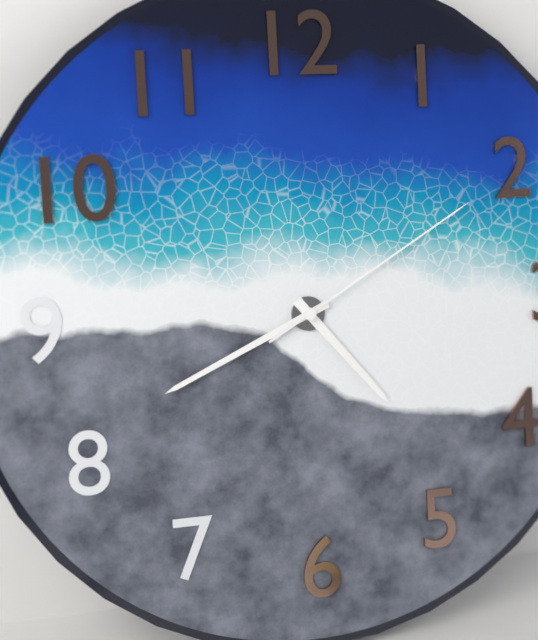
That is 4:41:10
